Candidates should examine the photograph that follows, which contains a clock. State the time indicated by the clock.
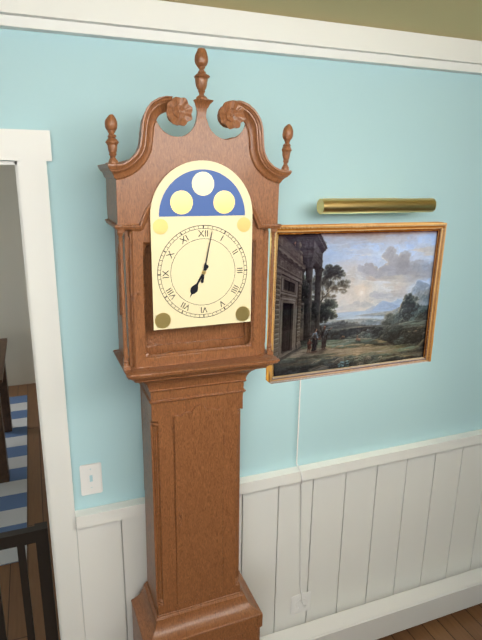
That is 7:02
